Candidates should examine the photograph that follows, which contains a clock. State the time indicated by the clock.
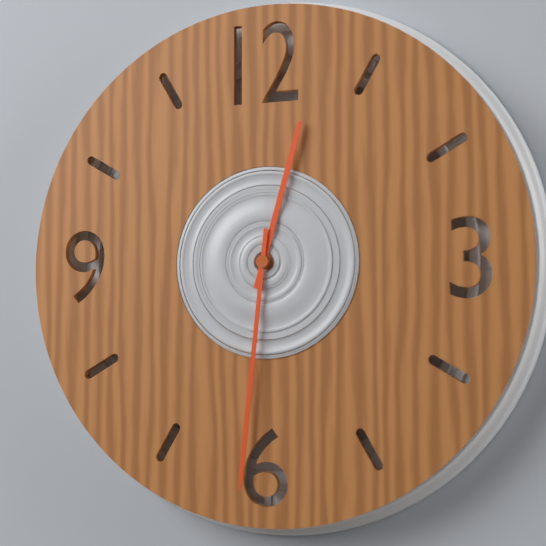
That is 12:31
